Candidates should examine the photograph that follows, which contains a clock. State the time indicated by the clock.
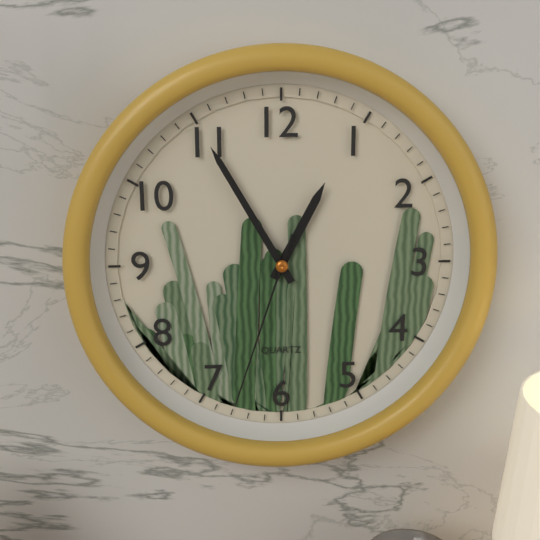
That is 12:55:33
